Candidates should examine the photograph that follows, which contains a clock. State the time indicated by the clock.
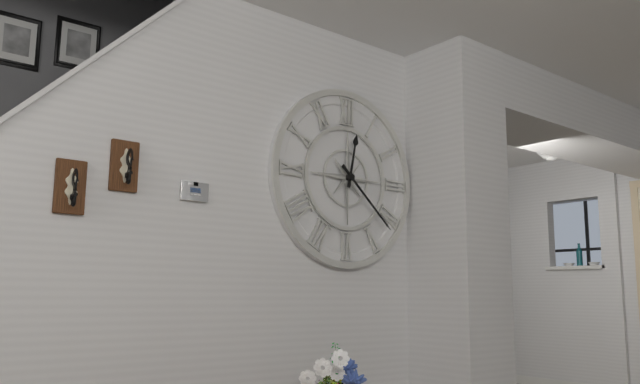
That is 12:22
